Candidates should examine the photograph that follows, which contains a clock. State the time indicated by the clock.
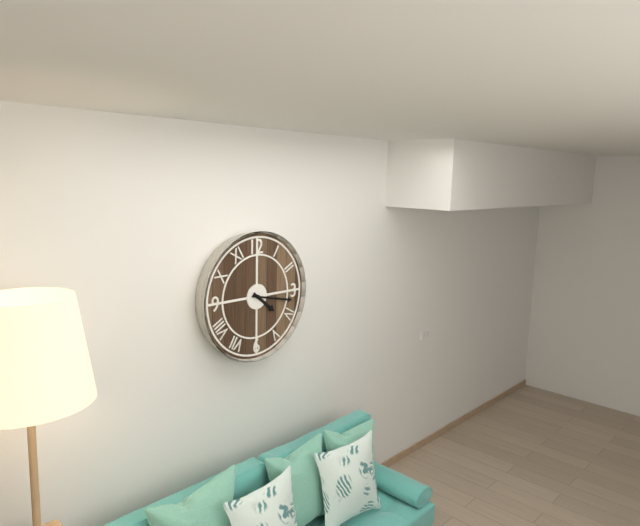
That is 4:17
